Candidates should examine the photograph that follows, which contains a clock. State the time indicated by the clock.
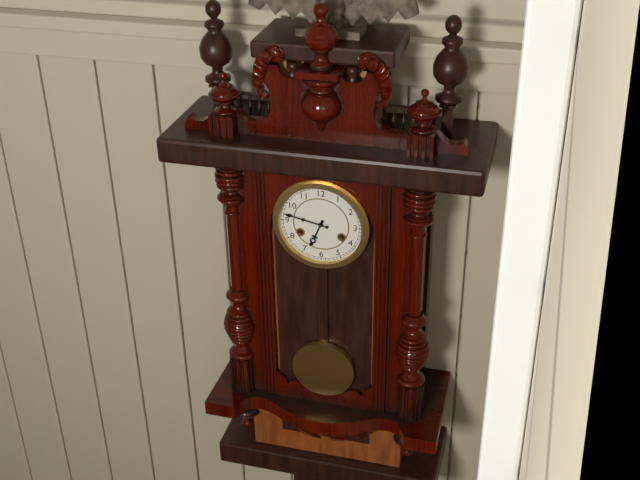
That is 6:47
